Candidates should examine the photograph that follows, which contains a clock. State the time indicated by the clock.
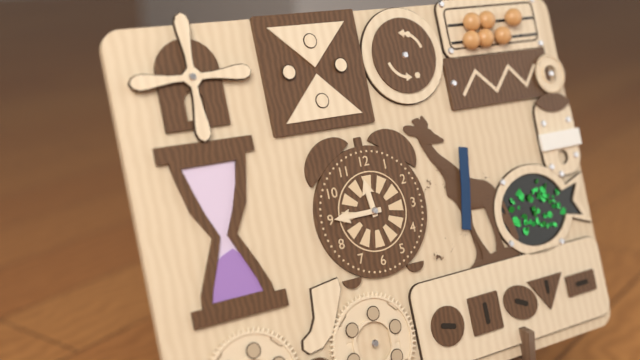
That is 11:45
